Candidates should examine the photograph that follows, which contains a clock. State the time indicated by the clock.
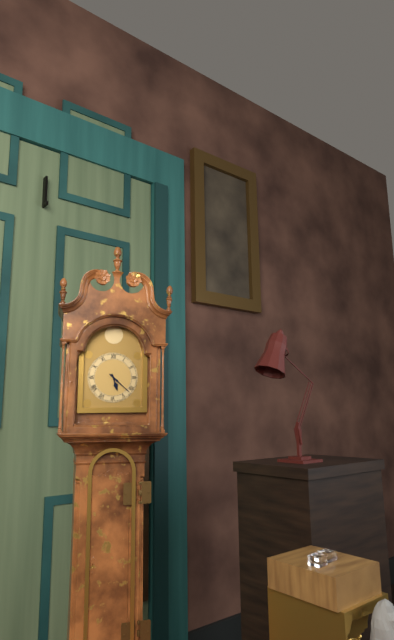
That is 5:22
